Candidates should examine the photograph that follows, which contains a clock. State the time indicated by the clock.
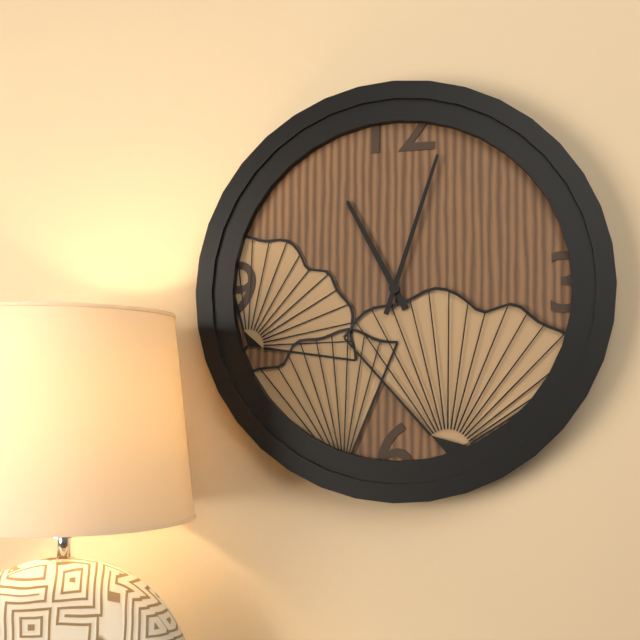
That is 11:03
